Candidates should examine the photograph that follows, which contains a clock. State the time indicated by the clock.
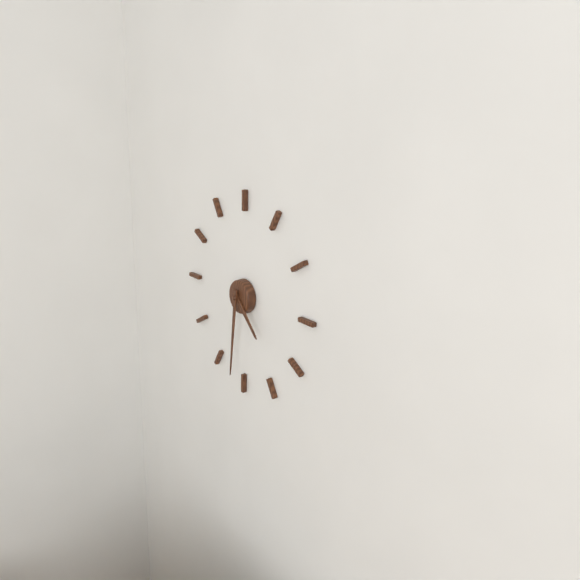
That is 4:31
